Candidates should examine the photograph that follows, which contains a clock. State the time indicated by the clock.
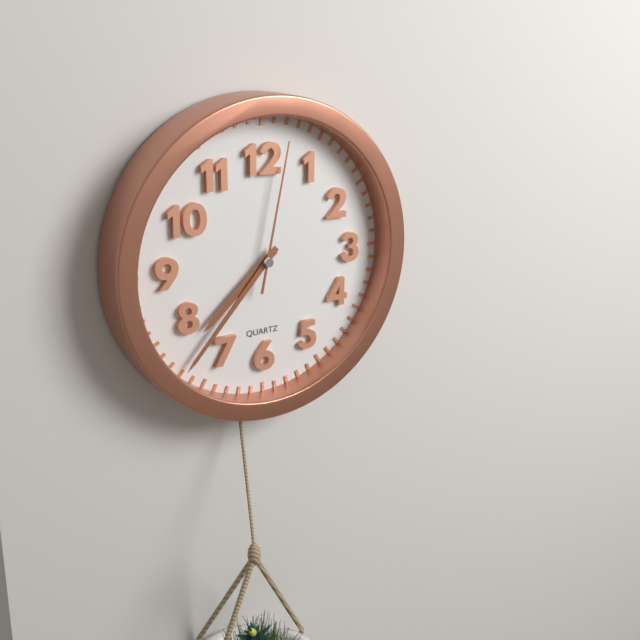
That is 7:37:02
